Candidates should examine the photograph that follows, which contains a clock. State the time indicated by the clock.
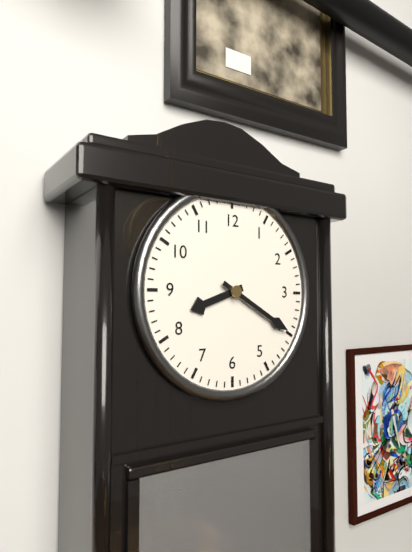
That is 8:20
